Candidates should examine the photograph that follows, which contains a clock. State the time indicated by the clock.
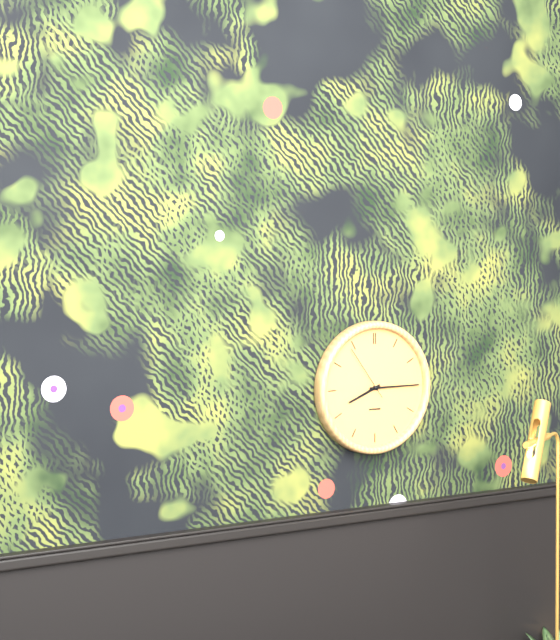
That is 8:15:54
